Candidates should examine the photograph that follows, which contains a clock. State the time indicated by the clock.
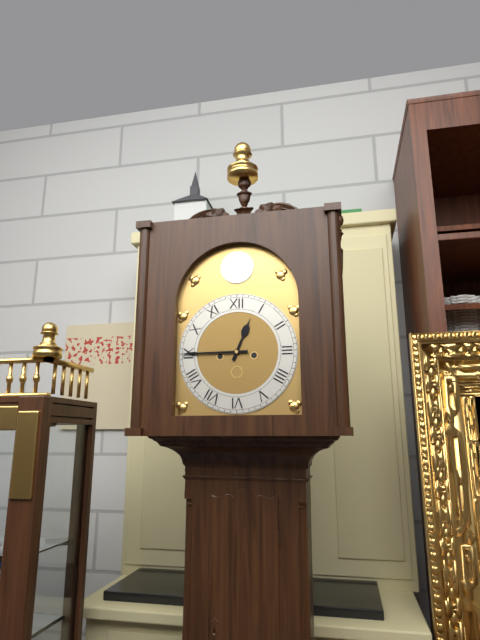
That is 12:45
